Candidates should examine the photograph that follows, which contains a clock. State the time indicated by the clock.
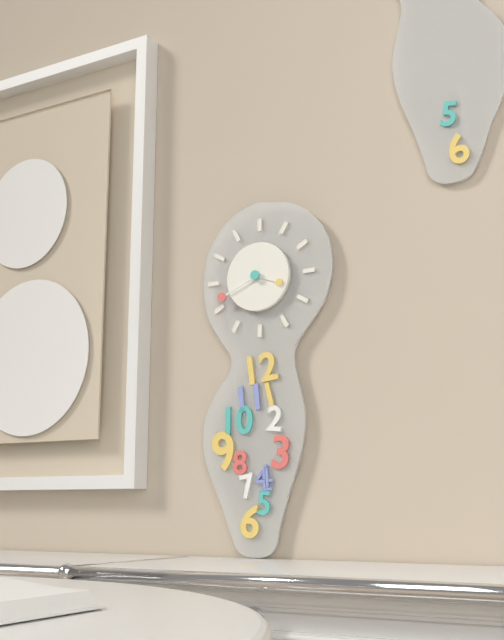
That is 3:41
